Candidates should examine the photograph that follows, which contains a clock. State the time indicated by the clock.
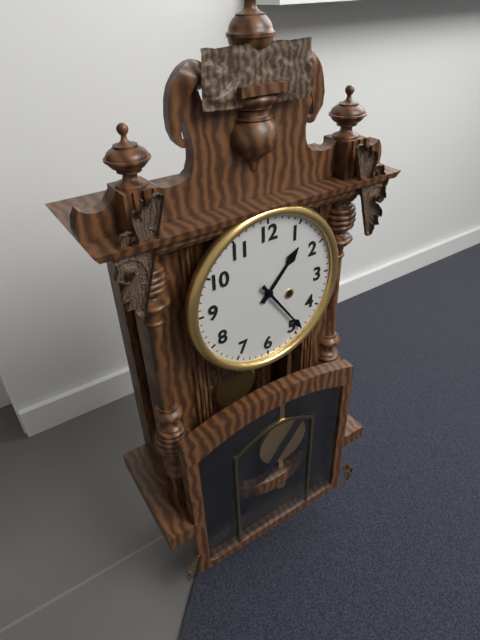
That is 1:24
